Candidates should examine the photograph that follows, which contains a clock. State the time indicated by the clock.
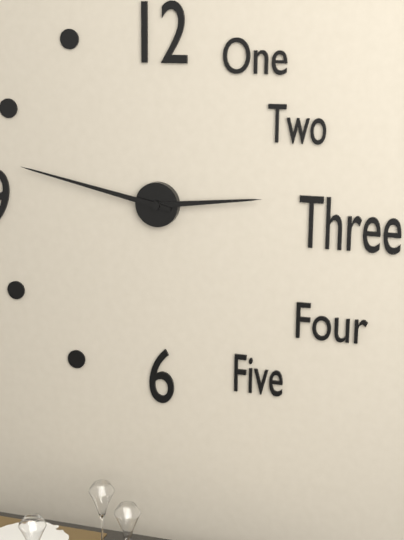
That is 2:47
